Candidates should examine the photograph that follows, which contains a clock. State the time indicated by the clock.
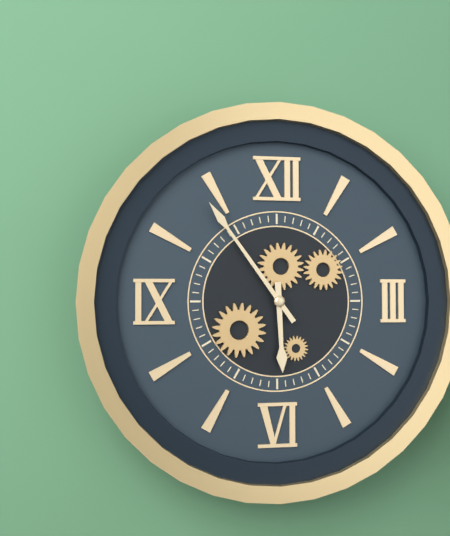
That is 5:54
